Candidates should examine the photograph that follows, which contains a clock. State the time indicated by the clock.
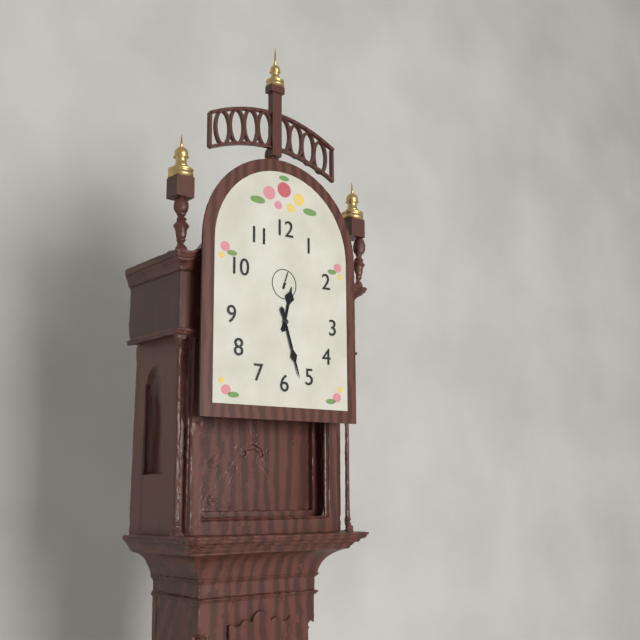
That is 12:27
